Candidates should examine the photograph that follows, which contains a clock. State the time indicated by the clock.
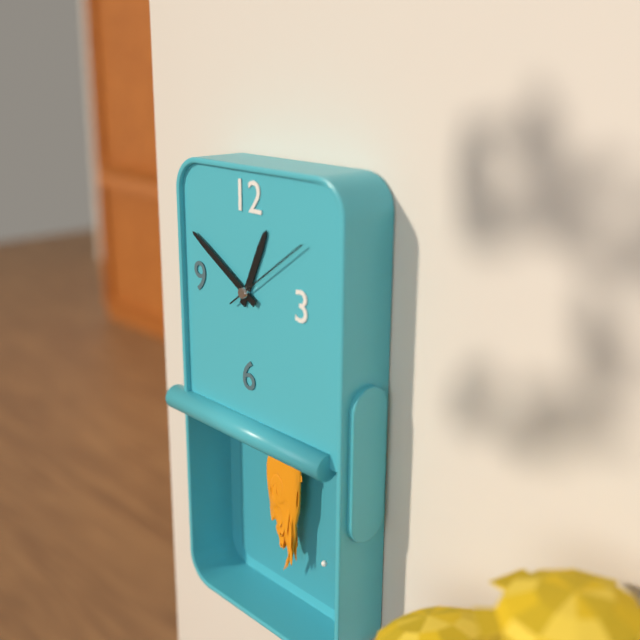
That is 12:50
